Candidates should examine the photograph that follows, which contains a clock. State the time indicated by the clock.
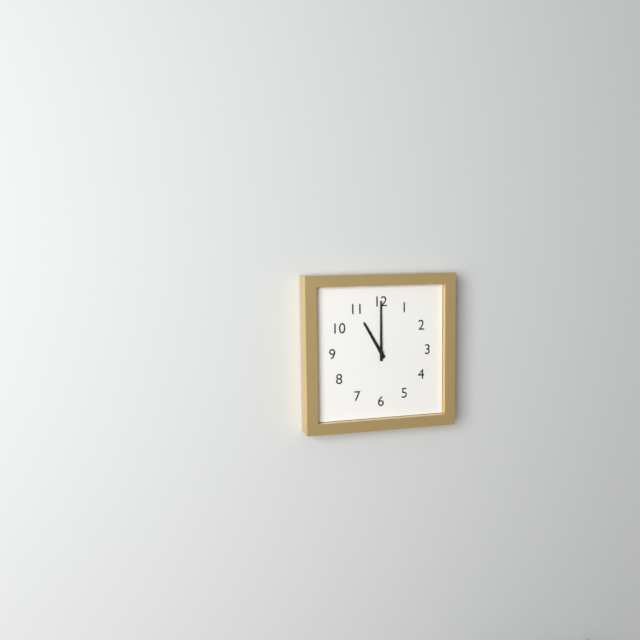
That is 11:00
